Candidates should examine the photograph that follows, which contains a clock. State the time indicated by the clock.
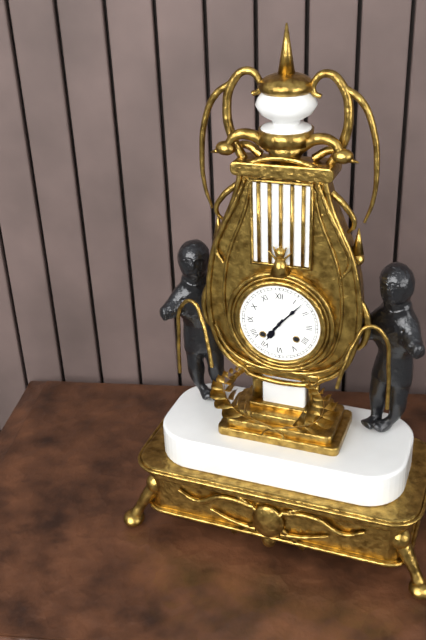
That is 7:07
